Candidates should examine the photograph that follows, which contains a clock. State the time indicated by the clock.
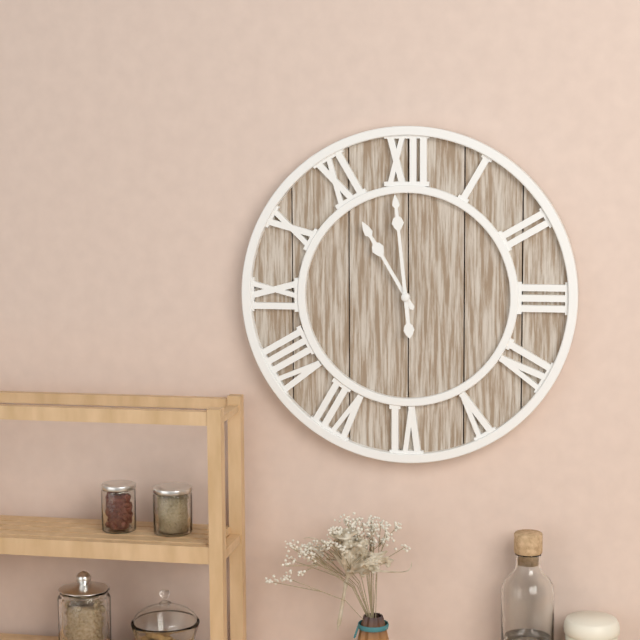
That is 10:59
